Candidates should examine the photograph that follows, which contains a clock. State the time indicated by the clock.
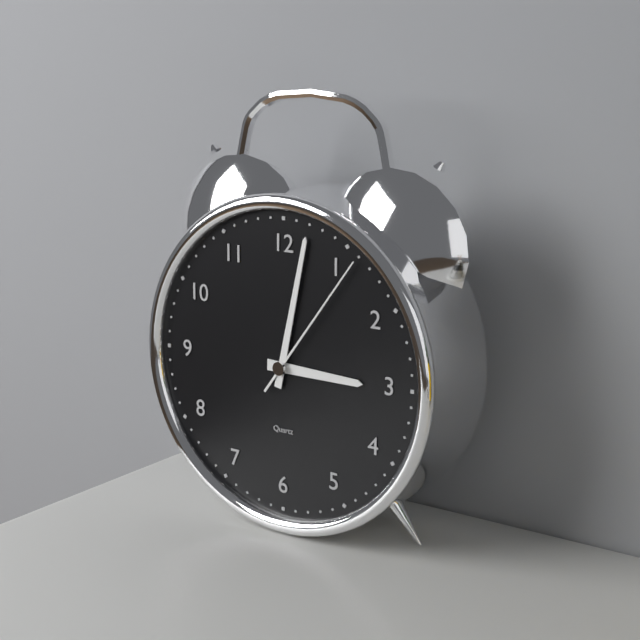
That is 3:02:06
